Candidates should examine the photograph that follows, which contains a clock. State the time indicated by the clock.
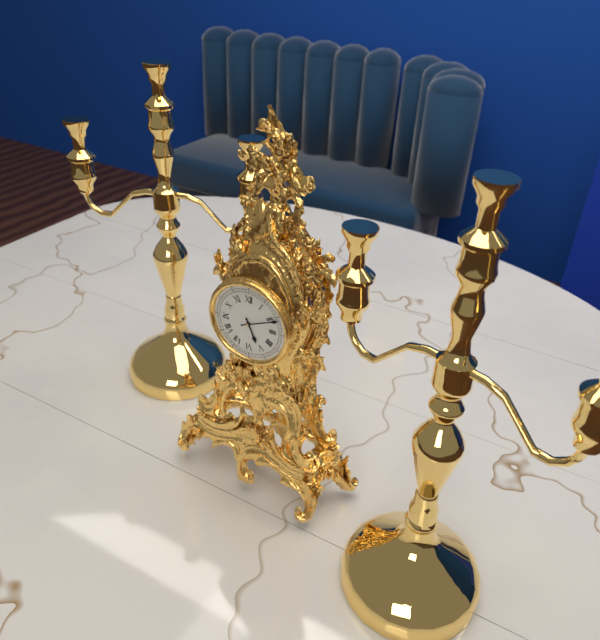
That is 5:11
